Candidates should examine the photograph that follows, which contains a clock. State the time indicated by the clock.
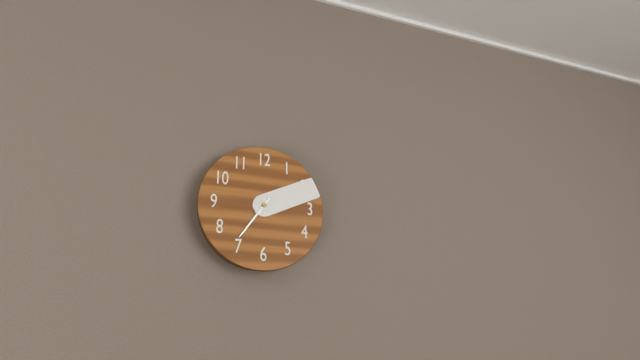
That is 7:11
